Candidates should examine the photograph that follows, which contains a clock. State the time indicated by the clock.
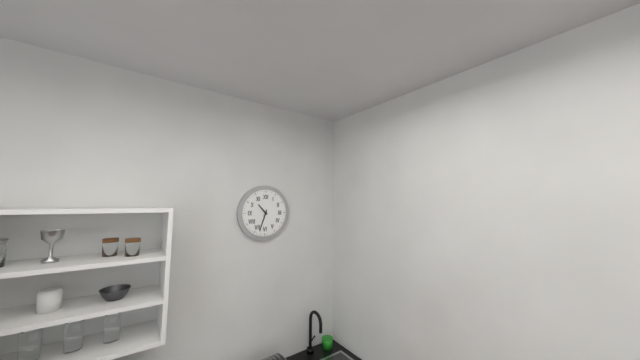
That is 10:33
